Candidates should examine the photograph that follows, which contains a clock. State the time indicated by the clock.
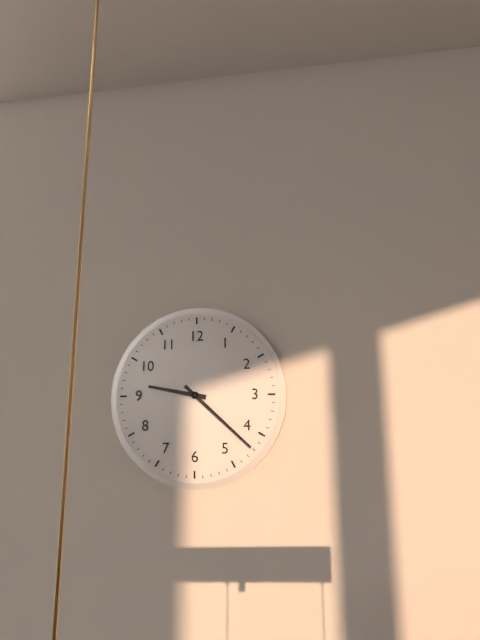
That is 9:22
